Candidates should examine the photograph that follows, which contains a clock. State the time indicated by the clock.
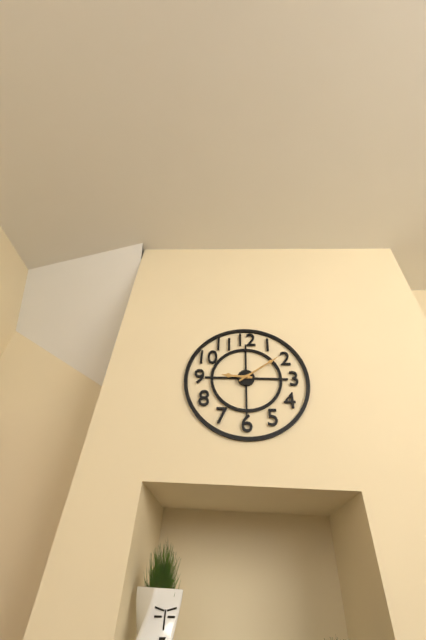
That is 9:09
